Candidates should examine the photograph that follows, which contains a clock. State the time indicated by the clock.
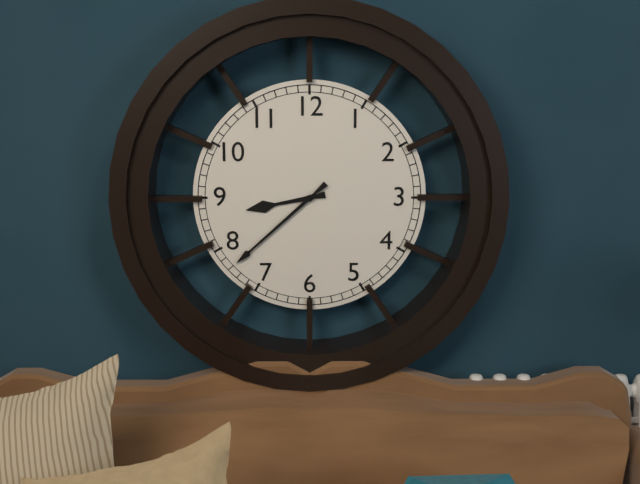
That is 8:38
